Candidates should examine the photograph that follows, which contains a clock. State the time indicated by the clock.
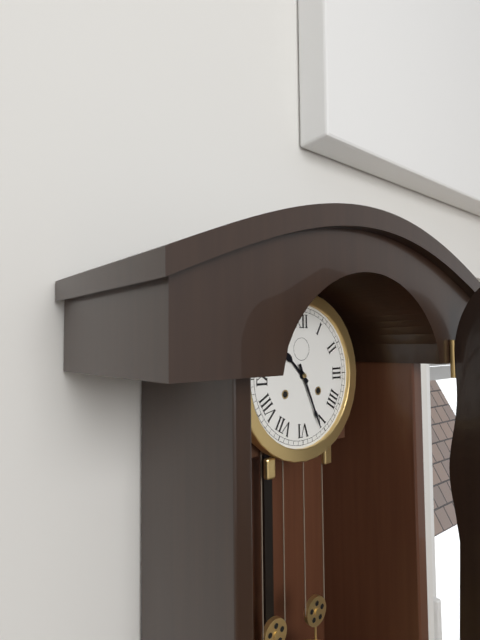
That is 10:26
